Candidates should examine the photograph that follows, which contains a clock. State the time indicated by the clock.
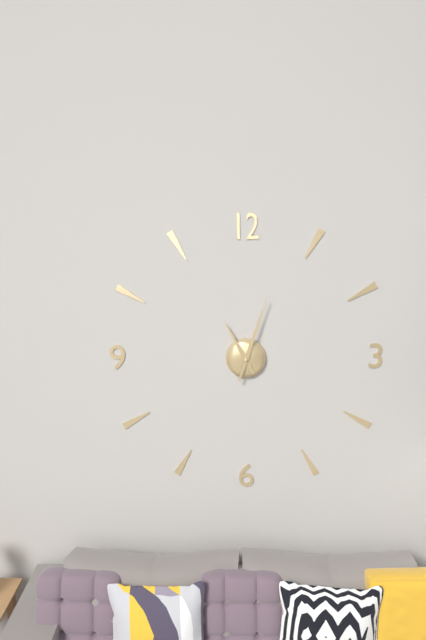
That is 11:03
